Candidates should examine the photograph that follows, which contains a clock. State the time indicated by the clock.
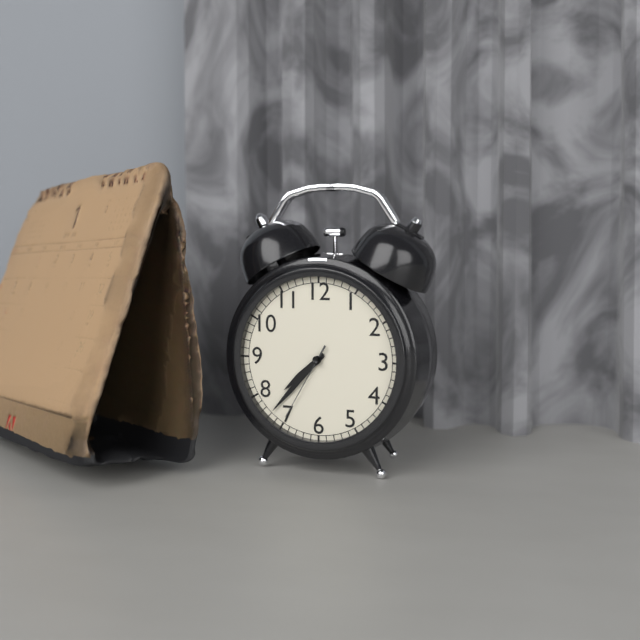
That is 7:37:35
